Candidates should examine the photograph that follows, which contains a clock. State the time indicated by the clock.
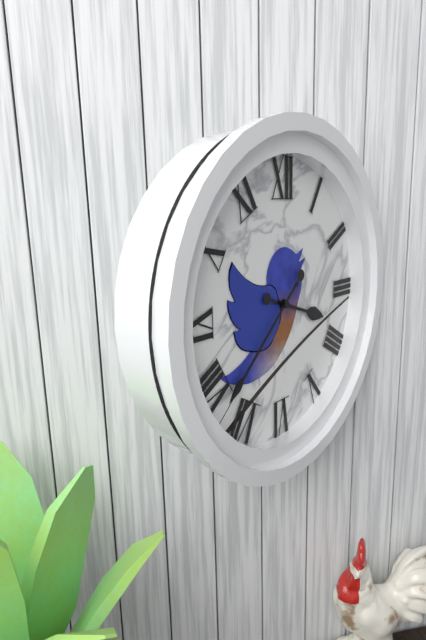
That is 3:38:38
